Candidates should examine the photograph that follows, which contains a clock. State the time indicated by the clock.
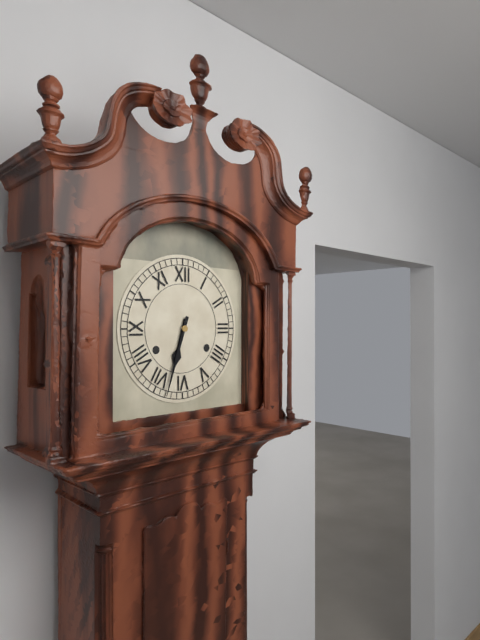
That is 6:33
